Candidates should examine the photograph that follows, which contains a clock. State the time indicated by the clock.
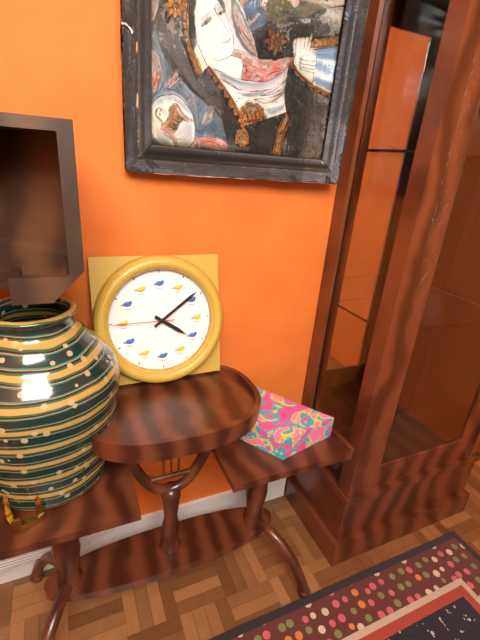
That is 4:09:45
